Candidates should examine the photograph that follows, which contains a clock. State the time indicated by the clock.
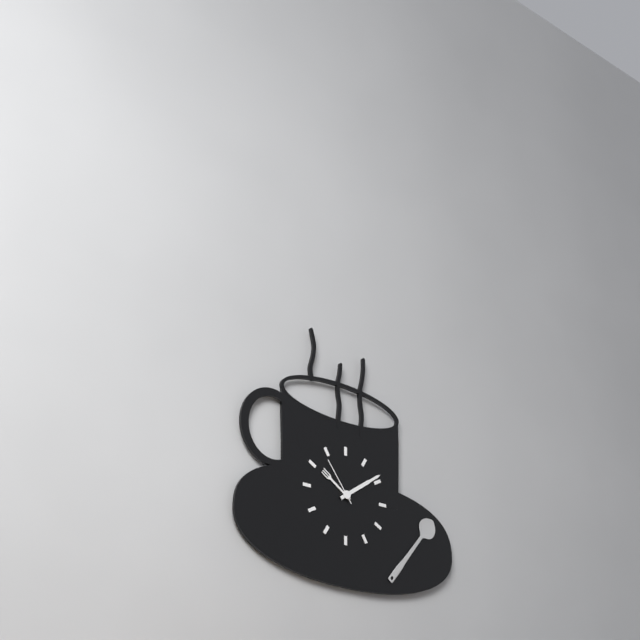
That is 10:09
